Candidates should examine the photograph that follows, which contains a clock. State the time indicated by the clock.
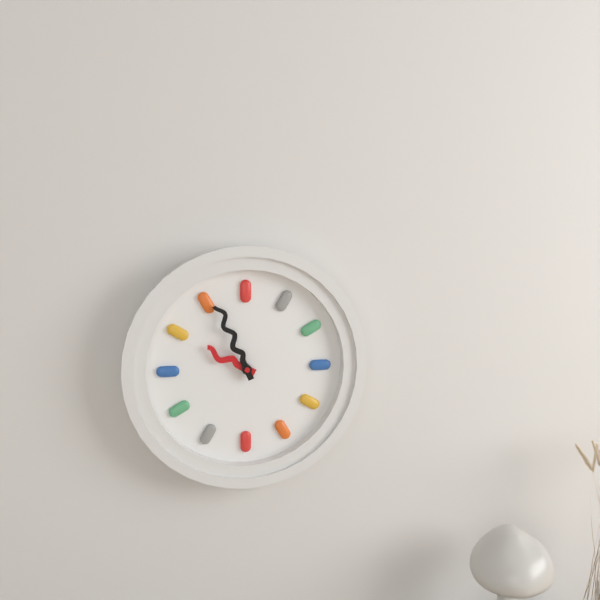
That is 9:56
